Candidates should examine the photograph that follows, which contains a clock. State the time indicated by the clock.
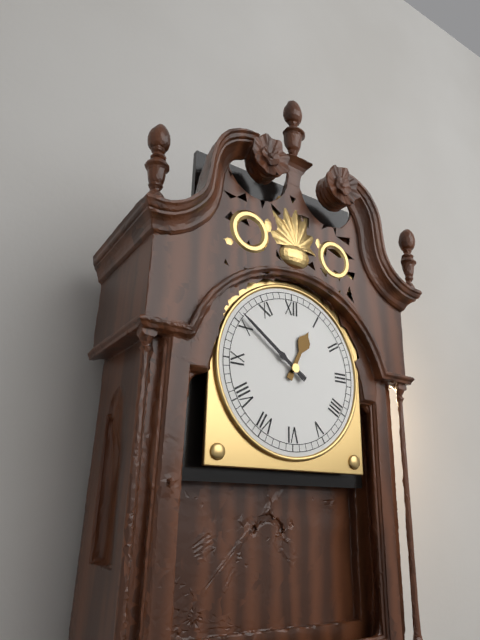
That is 12:51
